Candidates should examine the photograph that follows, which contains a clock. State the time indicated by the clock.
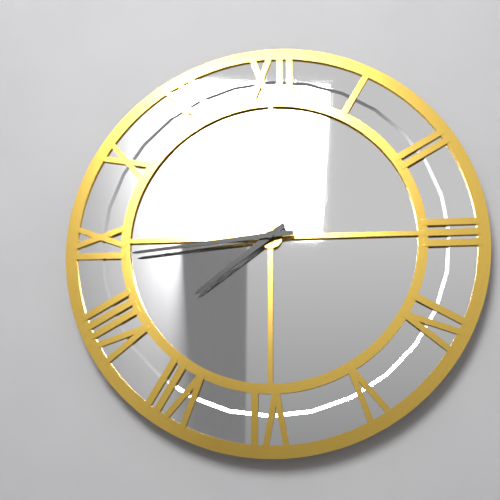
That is 7:44
